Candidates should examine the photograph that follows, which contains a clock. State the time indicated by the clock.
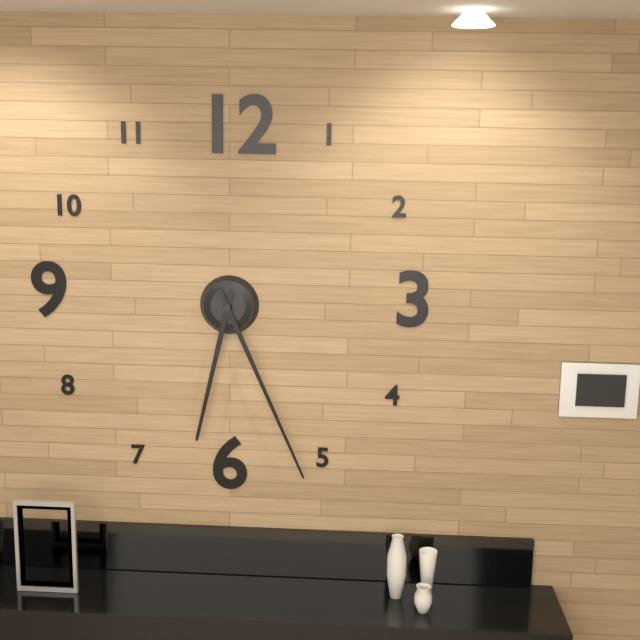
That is 6:26
